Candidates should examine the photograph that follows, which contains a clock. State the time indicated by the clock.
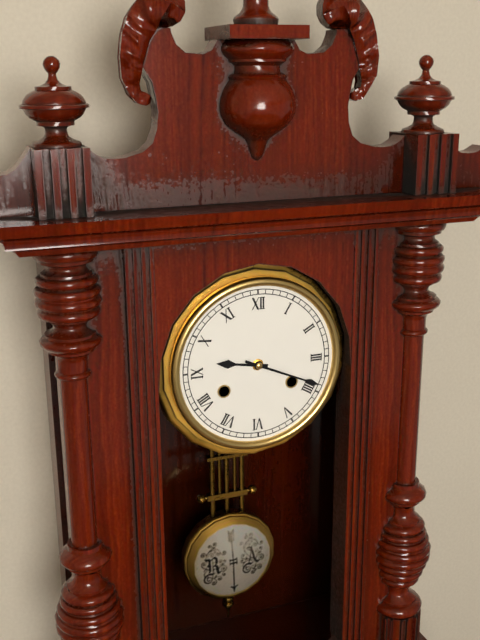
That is 9:19
